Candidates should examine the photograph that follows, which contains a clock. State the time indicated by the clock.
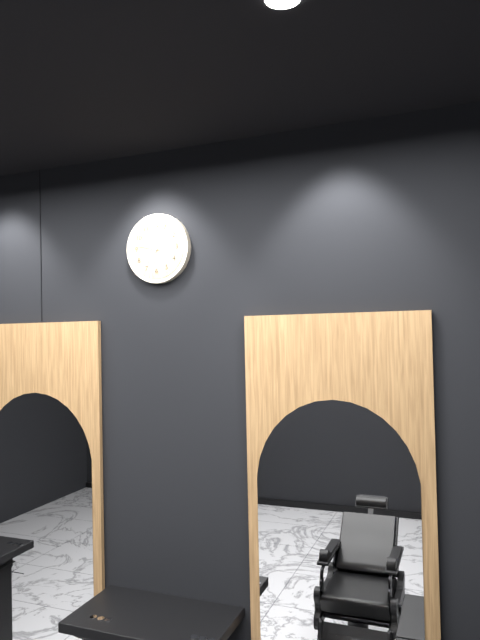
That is 1:04
